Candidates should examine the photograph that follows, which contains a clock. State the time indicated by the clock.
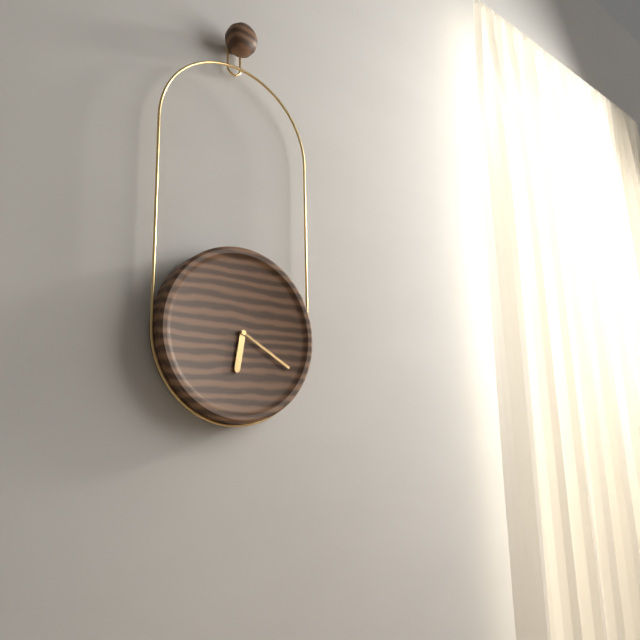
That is 6:20
